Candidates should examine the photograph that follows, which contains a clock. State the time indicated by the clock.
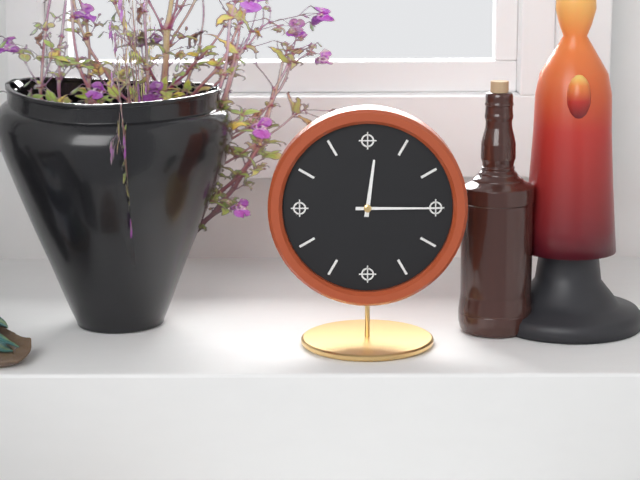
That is 12:15
